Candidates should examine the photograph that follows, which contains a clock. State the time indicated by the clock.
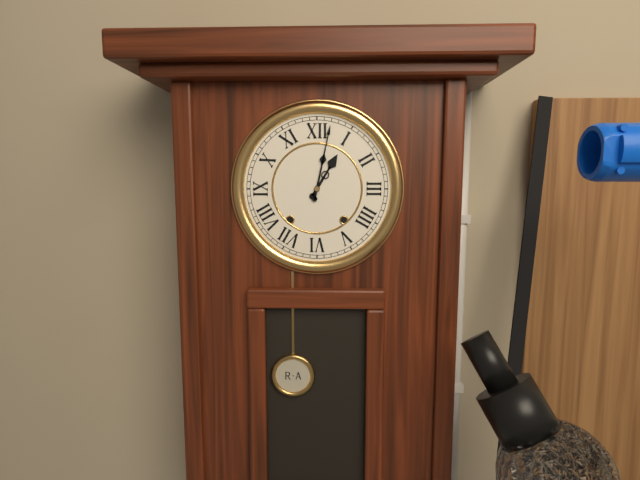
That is 1:02
